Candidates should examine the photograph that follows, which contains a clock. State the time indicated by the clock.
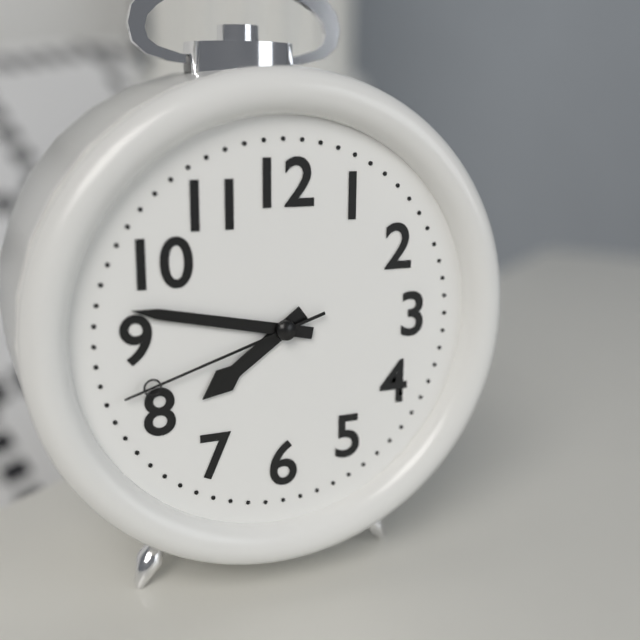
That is 7:47:42
